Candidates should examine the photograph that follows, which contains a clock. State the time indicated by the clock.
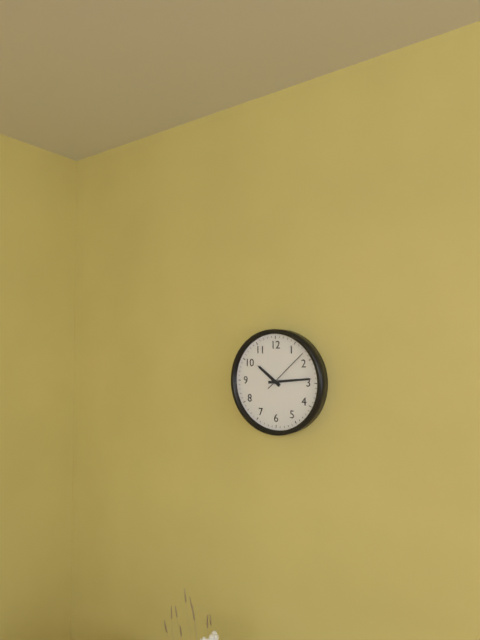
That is 10:14
